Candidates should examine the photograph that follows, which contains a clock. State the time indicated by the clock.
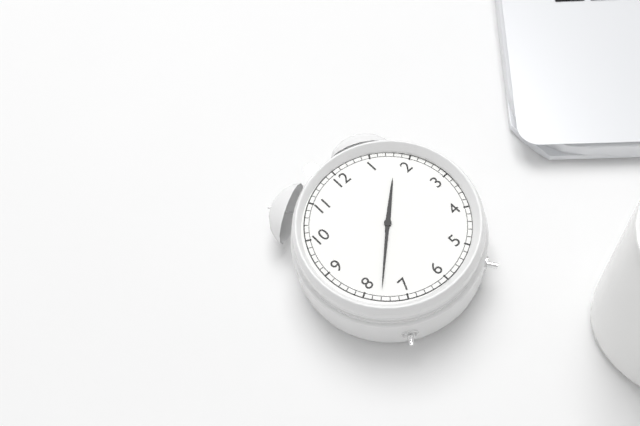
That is 1:38
